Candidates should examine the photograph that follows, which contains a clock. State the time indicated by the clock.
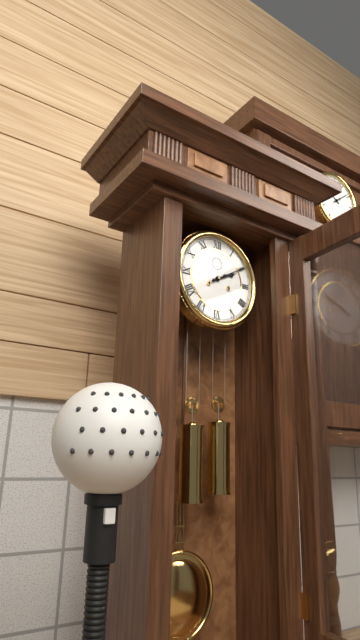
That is 2:10
